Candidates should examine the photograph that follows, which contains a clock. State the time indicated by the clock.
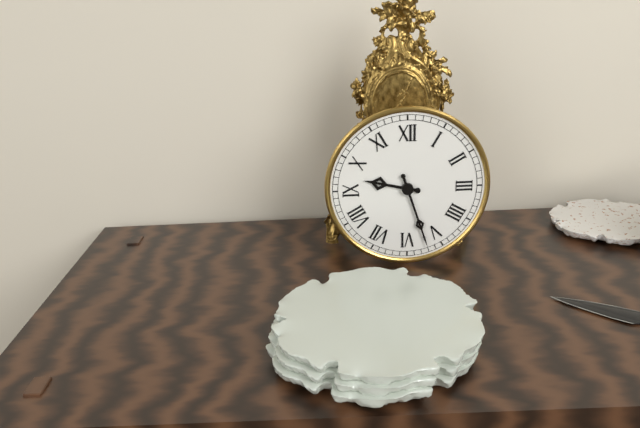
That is 9:27
